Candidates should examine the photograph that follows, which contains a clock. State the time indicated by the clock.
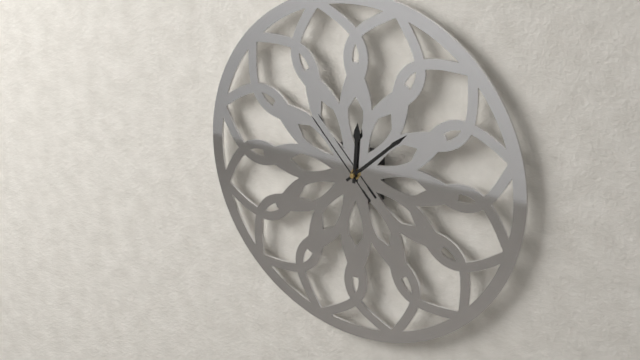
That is 12:08:53
